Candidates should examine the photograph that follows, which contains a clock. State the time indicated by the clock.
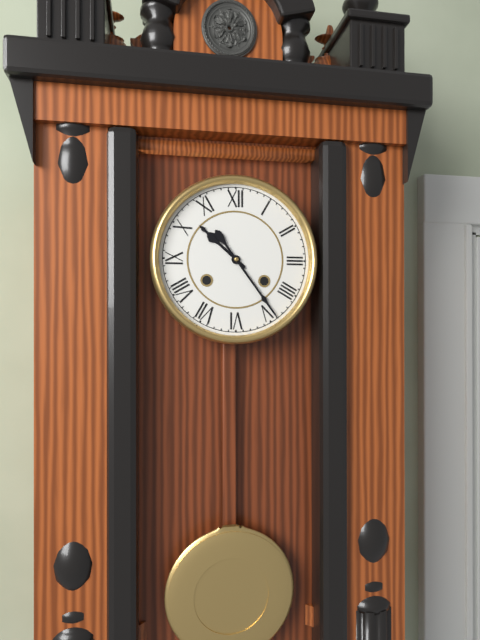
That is 10:24
